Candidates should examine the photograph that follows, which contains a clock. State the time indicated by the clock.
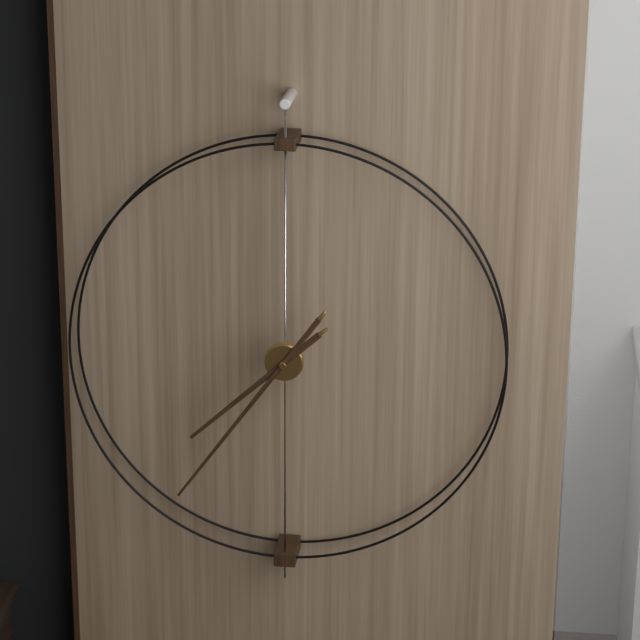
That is 7:36
